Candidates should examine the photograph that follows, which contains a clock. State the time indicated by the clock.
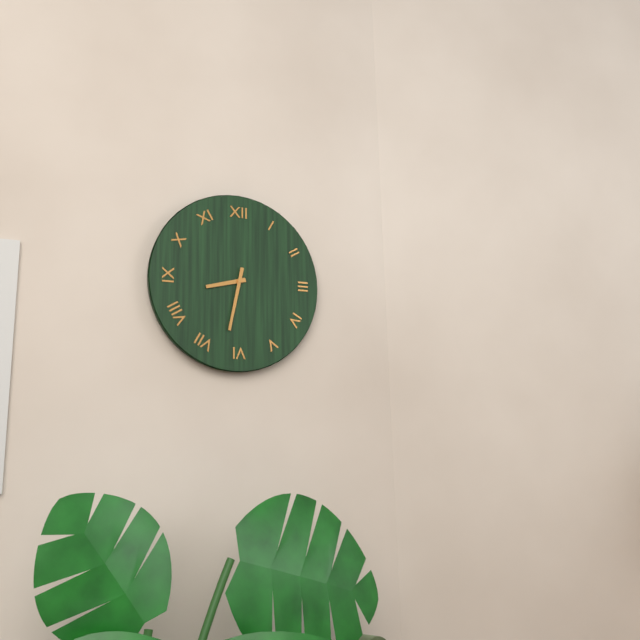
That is 8:32
